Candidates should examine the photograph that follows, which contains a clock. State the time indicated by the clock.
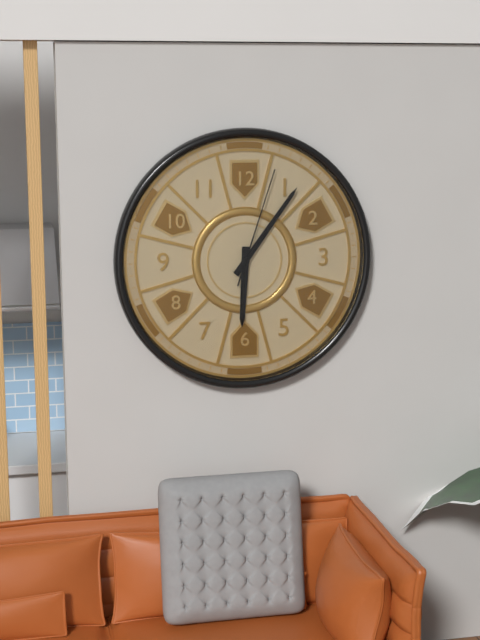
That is 6:06:03
